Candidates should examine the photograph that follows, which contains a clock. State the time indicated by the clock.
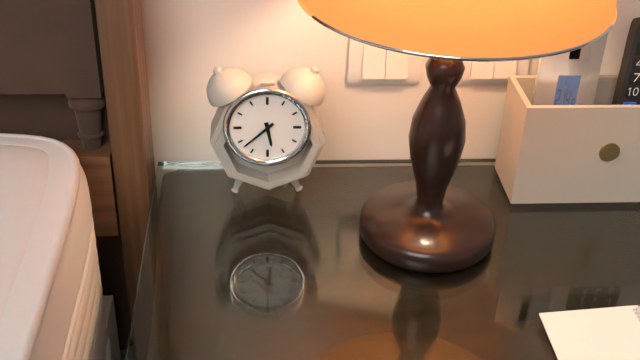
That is 5:38
